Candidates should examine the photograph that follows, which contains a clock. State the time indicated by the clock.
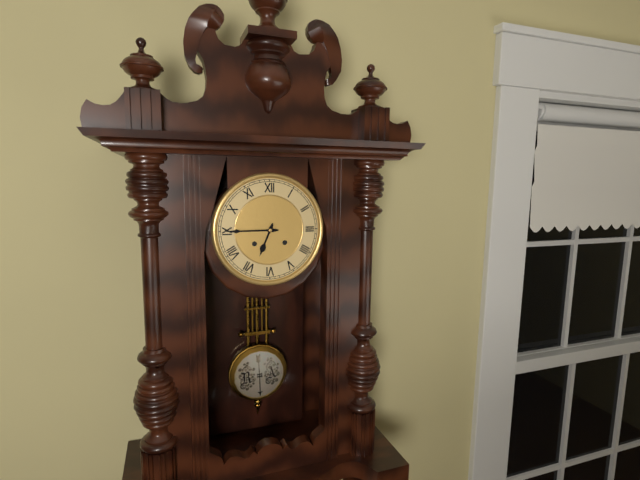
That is 6:45
